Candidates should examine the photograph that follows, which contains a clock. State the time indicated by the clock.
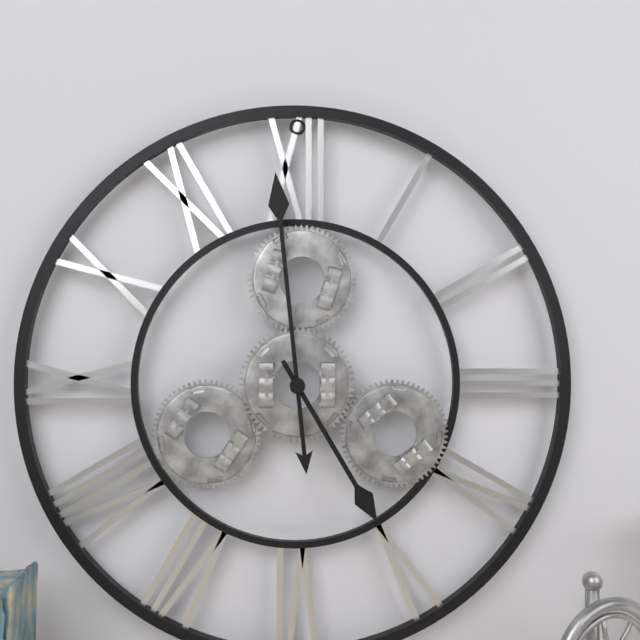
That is 4:59
